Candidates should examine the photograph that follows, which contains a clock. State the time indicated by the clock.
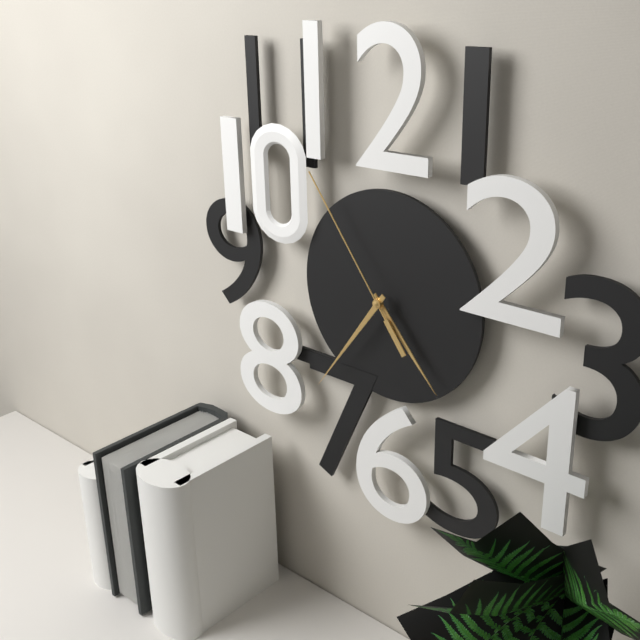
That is 4:36:54
